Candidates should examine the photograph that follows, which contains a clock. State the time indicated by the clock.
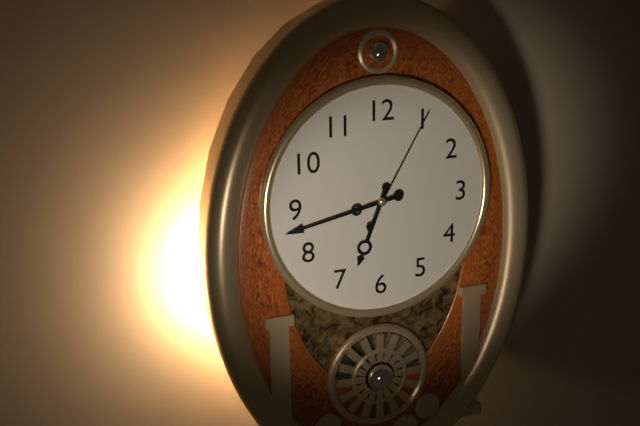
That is 6:43:05
